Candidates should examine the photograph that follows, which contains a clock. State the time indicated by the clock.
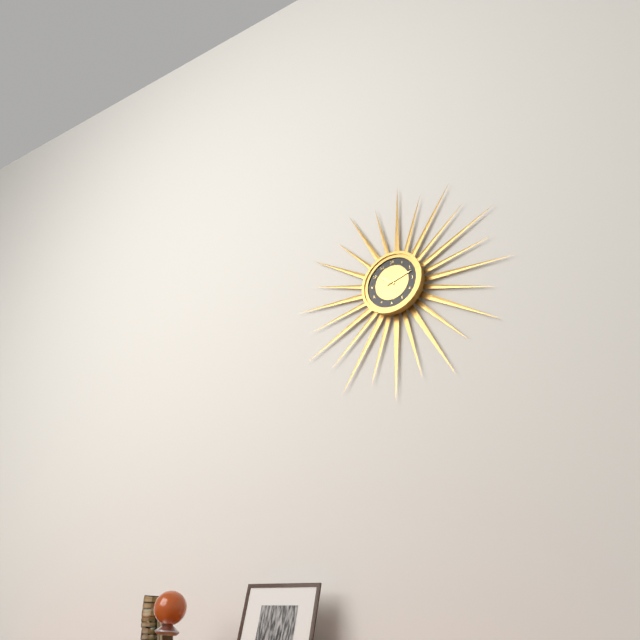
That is 10:12
